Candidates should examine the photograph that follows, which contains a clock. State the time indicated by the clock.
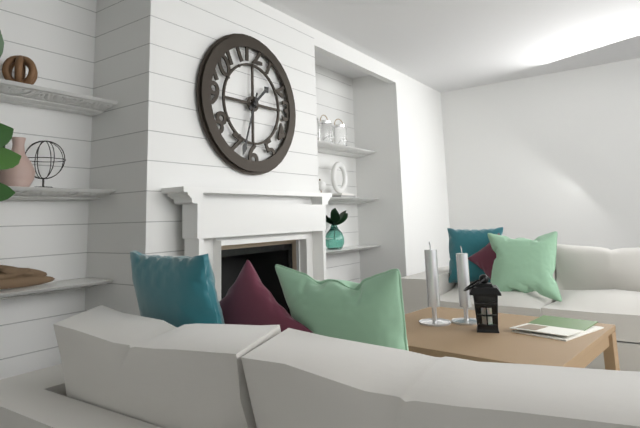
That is 1:33
